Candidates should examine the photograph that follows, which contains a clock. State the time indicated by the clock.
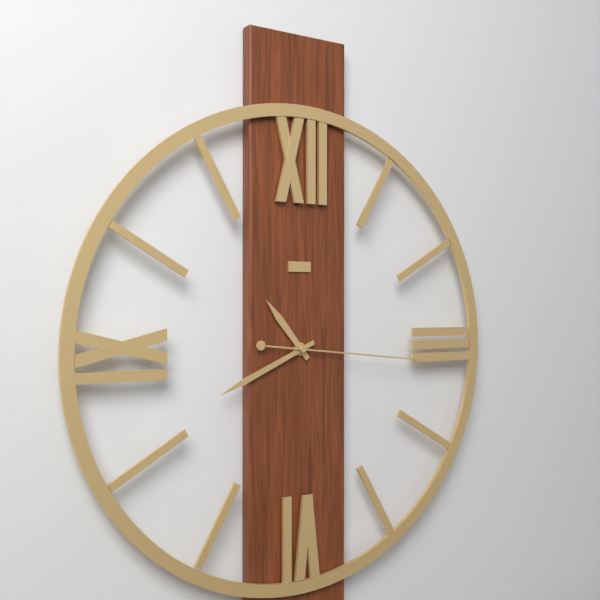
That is 10:41:16
